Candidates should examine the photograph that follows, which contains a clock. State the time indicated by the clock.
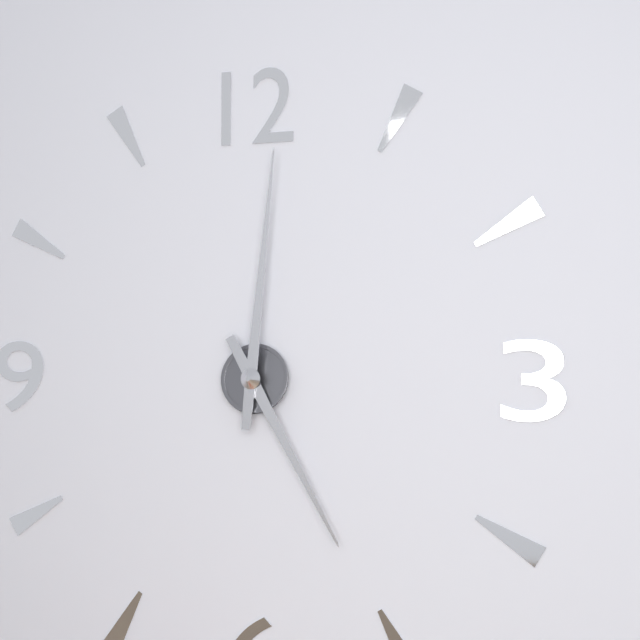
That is 5:01
